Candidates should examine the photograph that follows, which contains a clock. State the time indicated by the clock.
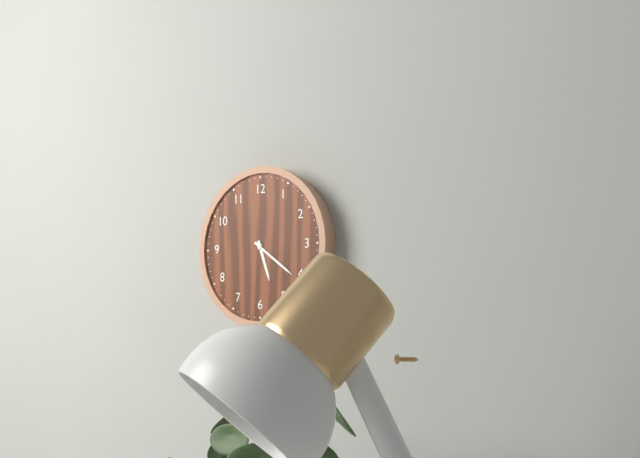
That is 5:21
